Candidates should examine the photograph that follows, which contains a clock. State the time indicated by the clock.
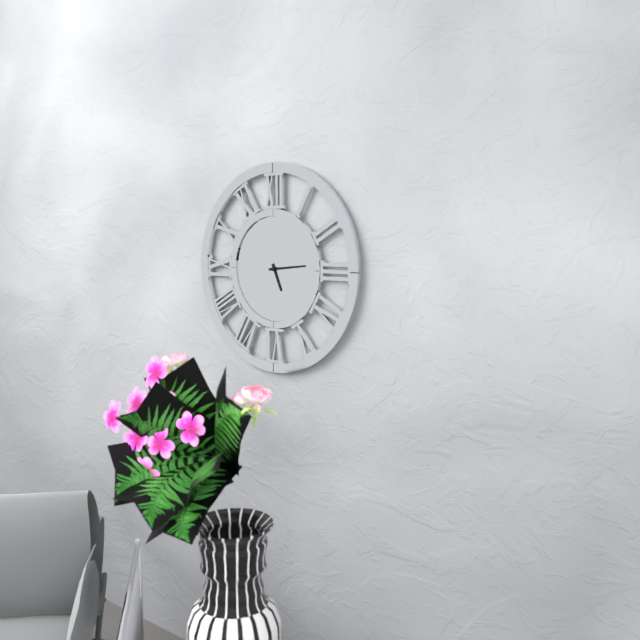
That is 5:14
